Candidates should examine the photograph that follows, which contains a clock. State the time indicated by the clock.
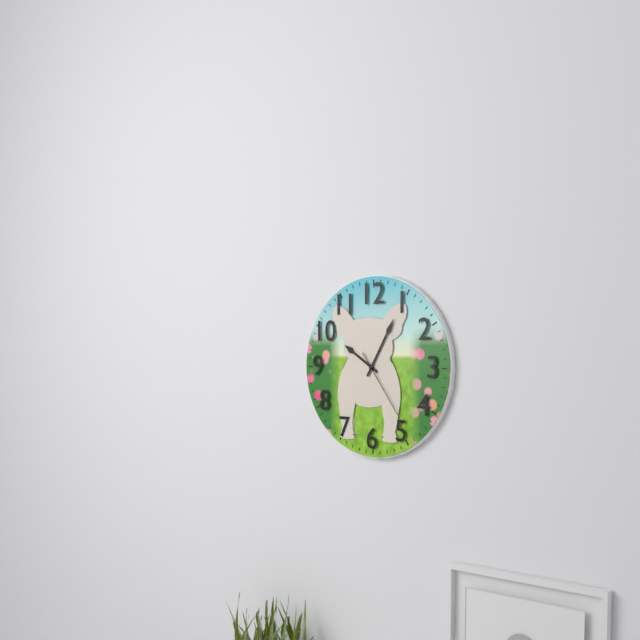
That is 10:05:24
